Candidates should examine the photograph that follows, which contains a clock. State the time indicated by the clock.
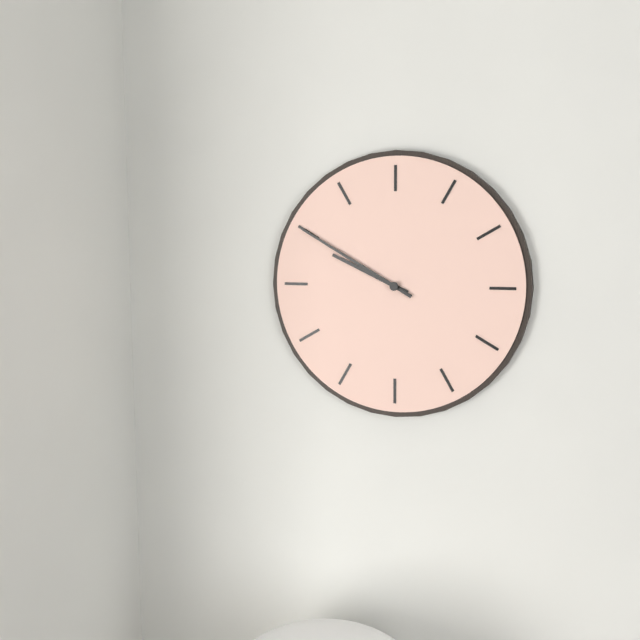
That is 9:50
